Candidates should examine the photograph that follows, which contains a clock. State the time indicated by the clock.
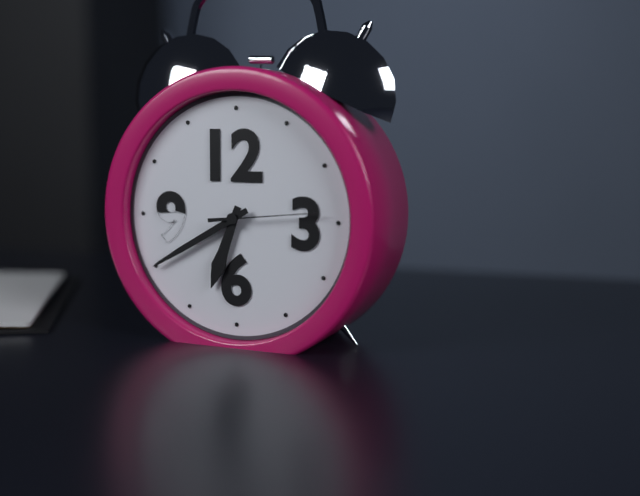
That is 6:40:14
